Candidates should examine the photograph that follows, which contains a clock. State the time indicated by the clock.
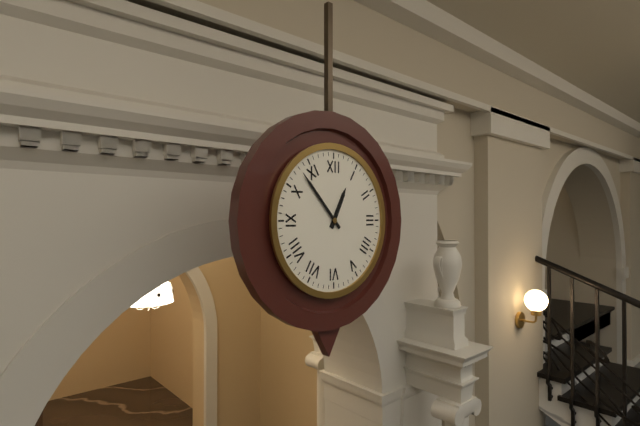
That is 12:53
